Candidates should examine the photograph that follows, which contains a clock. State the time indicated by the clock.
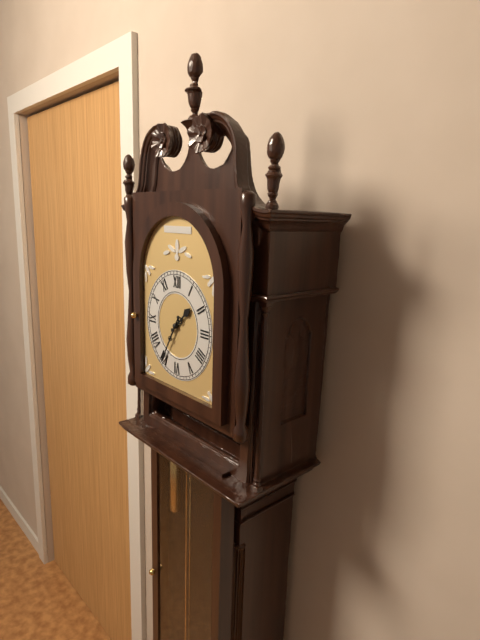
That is 1:35
